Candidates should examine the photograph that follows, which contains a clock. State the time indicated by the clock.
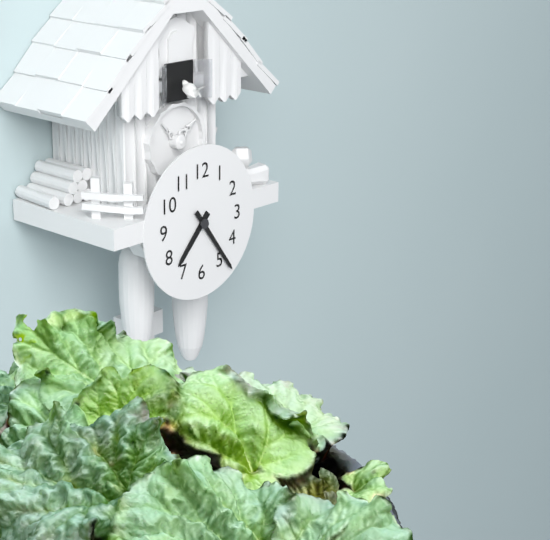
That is 7:24
